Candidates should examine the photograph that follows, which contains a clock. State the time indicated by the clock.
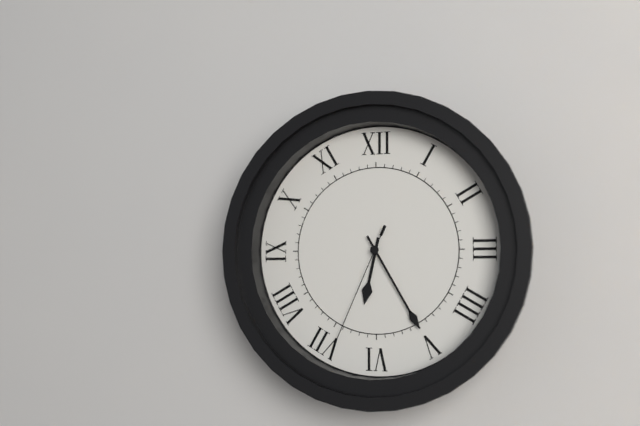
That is 6:25:34
